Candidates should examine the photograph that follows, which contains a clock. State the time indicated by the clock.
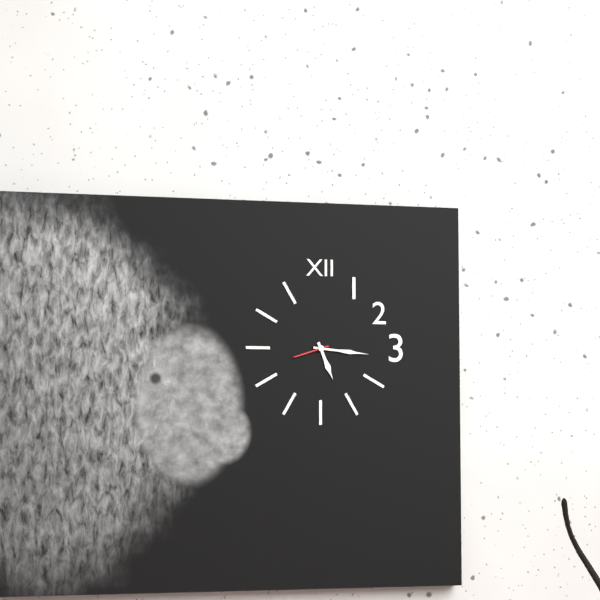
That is 5:16
